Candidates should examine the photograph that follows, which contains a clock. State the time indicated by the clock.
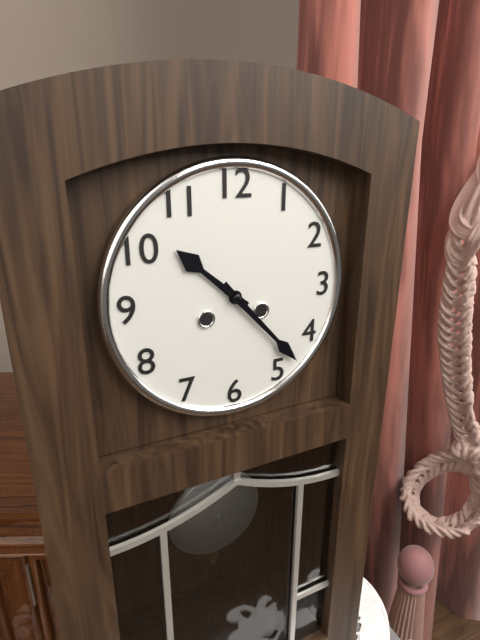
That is 10:23
